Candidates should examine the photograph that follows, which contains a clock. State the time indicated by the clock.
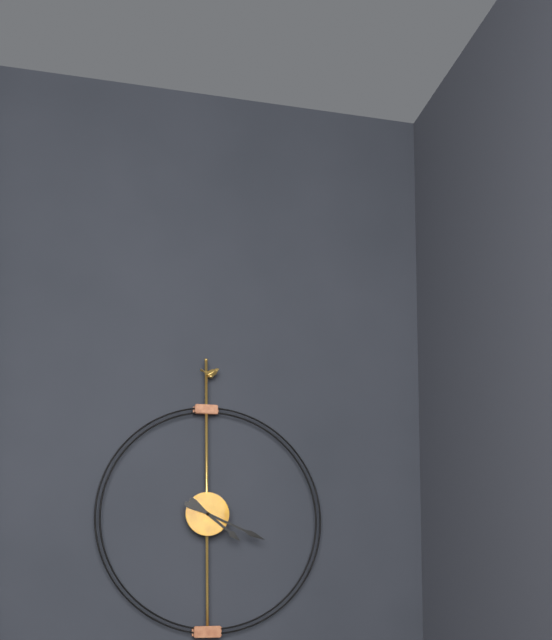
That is 4:19
